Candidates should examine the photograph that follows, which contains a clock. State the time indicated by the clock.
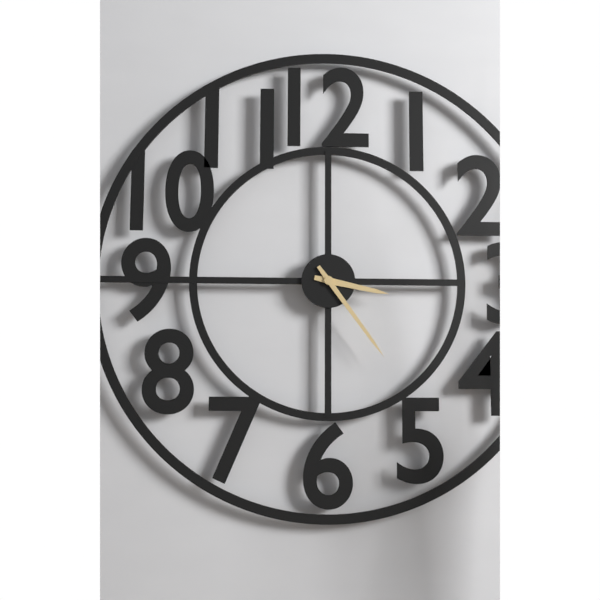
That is 3:24
